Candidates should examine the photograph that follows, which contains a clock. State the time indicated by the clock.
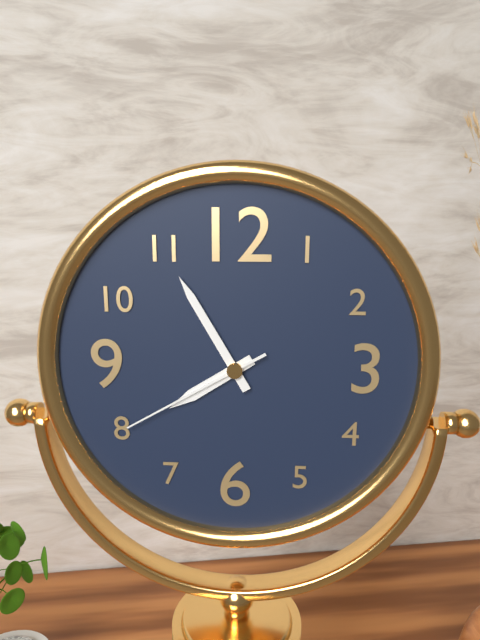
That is 7:55:40
